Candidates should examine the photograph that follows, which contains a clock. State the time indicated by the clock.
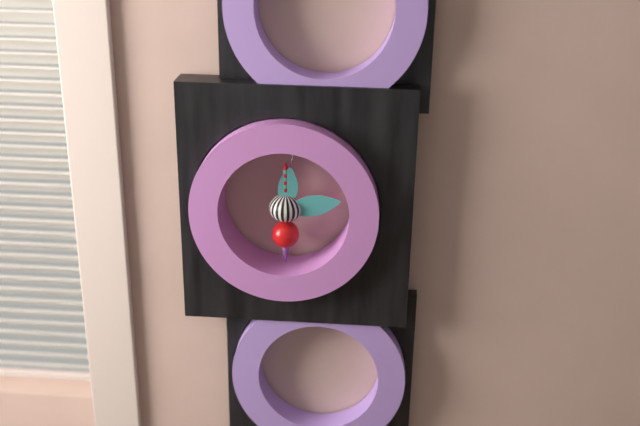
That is 12:13
